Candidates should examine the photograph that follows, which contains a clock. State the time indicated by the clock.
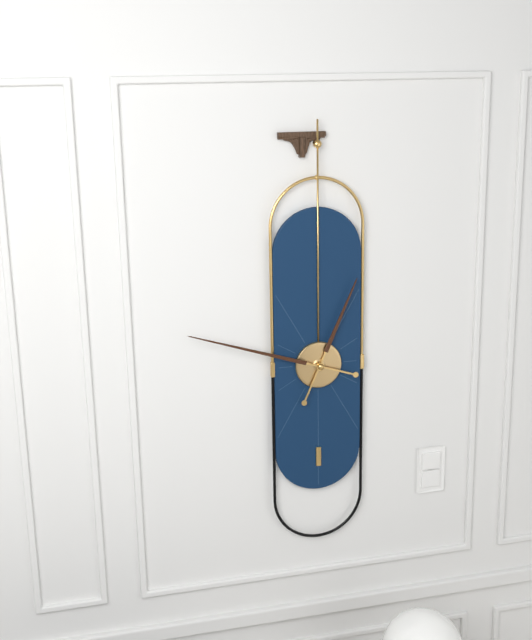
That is 12:48
